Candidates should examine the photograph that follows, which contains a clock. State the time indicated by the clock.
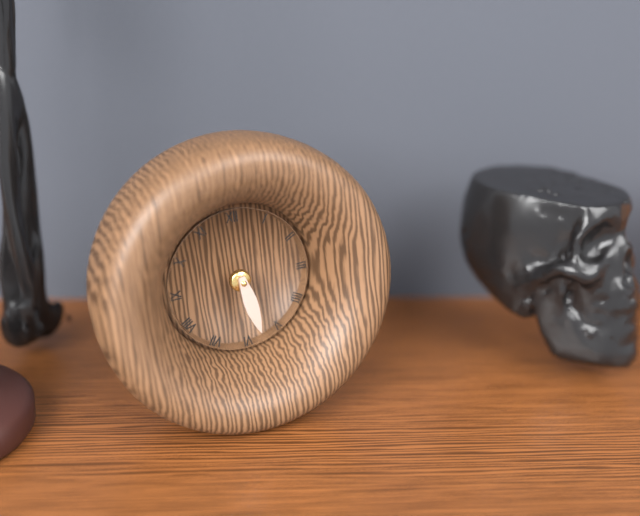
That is 5:28
